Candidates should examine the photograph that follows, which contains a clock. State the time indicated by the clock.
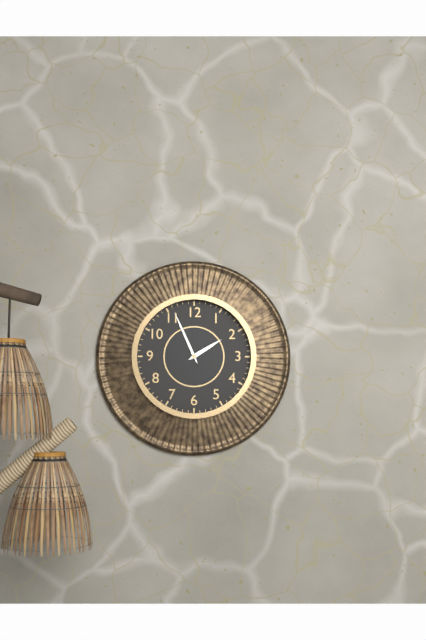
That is 1:56
